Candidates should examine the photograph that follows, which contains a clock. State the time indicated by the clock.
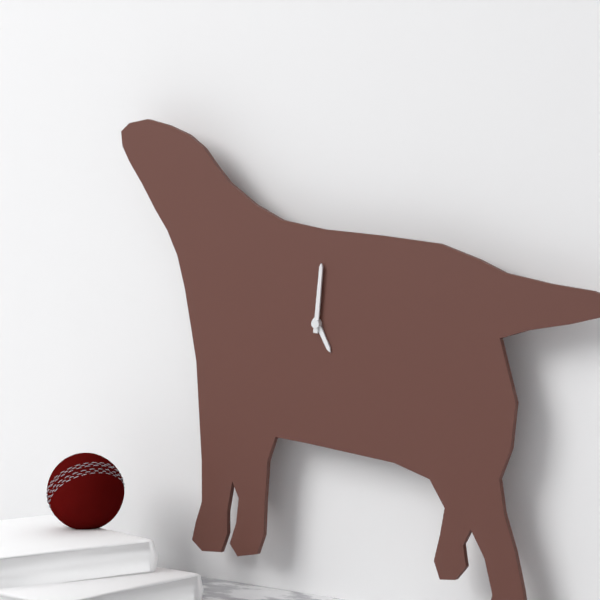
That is 5:01
